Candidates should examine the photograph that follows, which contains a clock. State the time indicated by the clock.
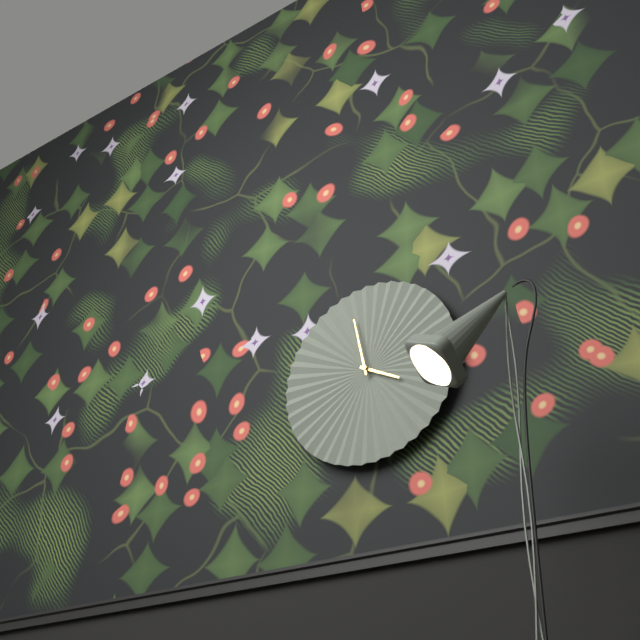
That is 3:58
